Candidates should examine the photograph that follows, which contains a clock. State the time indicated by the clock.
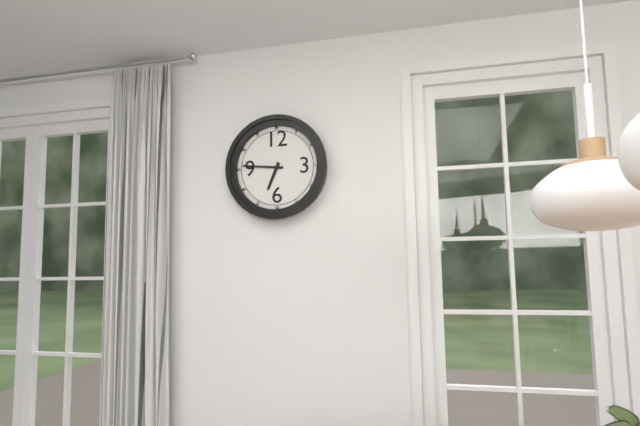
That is 6:46
